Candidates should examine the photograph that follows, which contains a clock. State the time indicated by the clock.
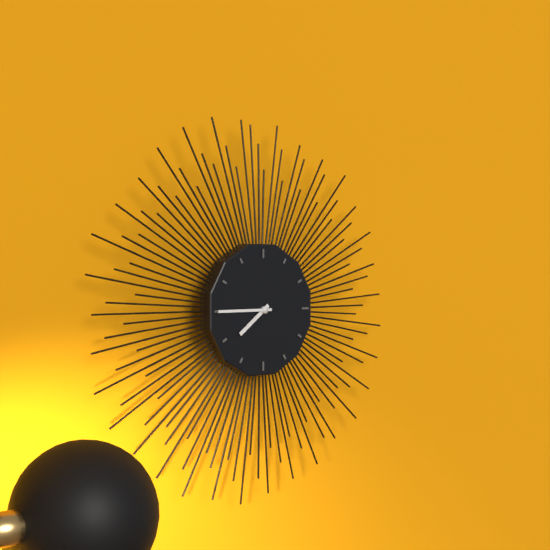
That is 7:45
